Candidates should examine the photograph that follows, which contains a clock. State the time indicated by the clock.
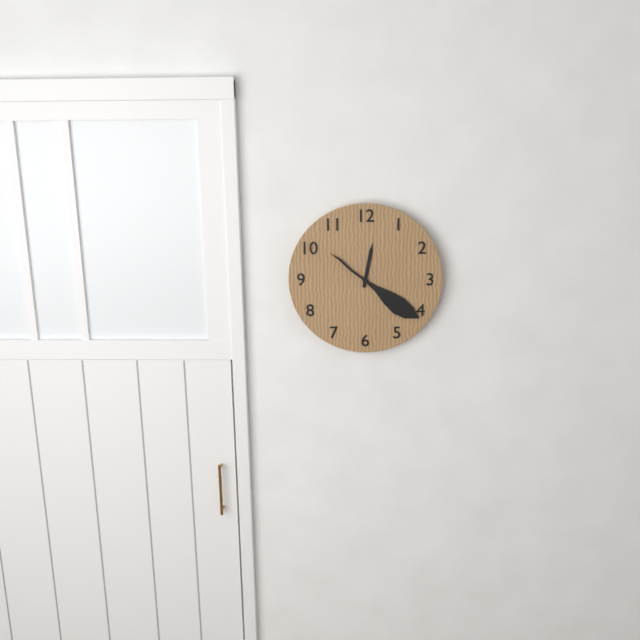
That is 12:21
